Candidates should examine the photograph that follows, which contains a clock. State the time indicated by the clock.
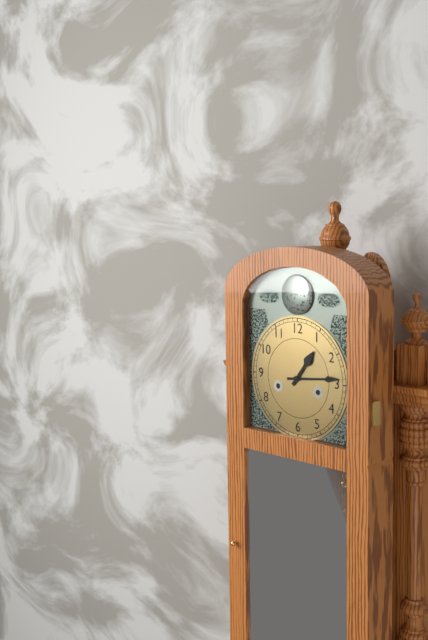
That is 1:14
